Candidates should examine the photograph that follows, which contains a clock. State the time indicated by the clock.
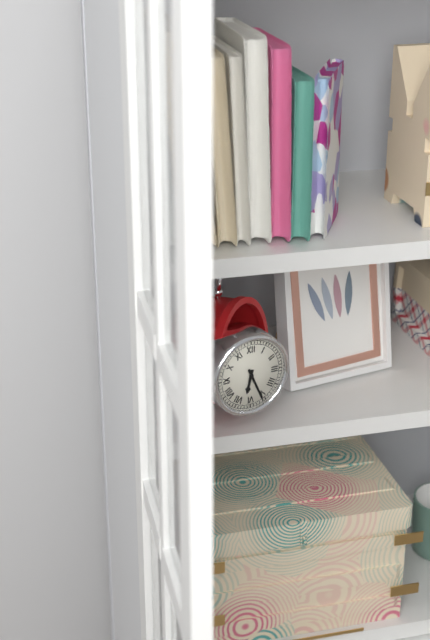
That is 6:26
